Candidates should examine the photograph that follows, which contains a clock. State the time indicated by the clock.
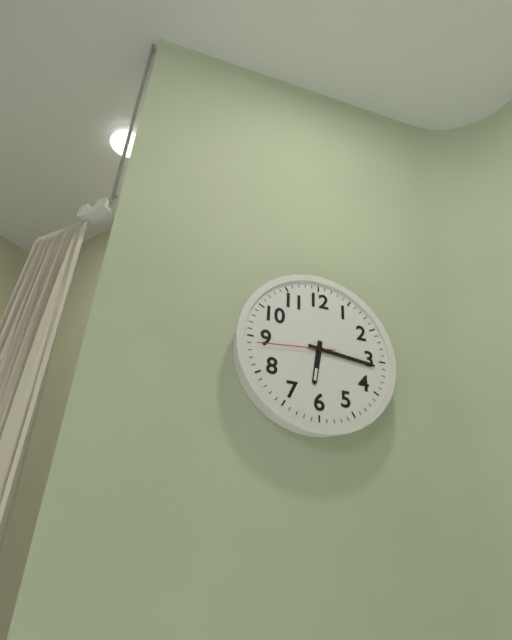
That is 6:16:44
